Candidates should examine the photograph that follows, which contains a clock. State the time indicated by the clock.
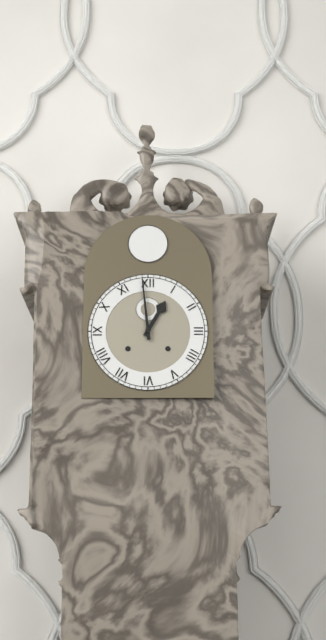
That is 12:59
